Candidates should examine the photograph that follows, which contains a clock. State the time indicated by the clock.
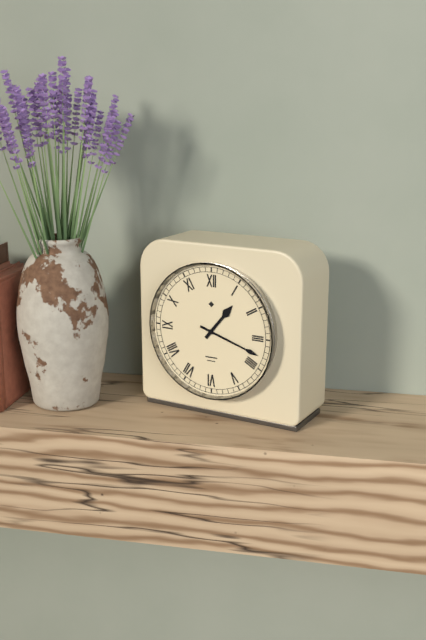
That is 1:18
